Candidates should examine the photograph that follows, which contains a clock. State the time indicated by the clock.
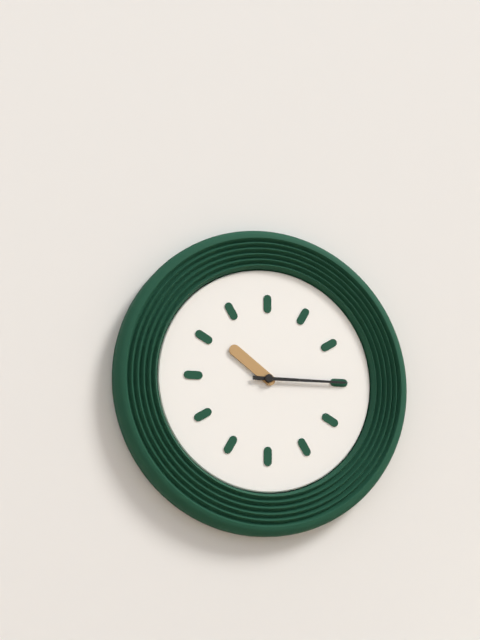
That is 10:15
